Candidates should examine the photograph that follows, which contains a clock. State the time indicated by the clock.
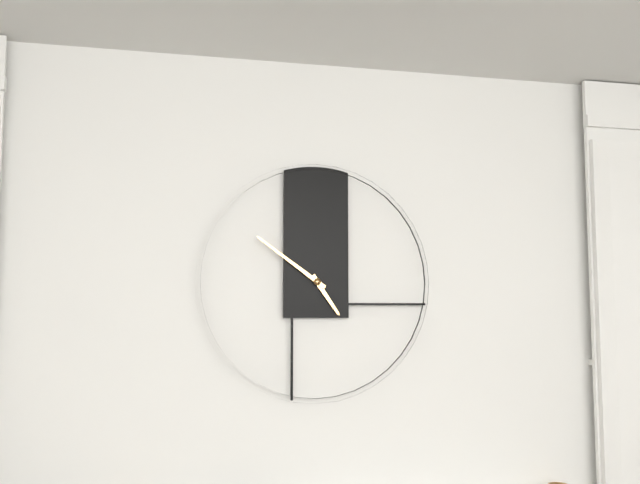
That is 4:51
